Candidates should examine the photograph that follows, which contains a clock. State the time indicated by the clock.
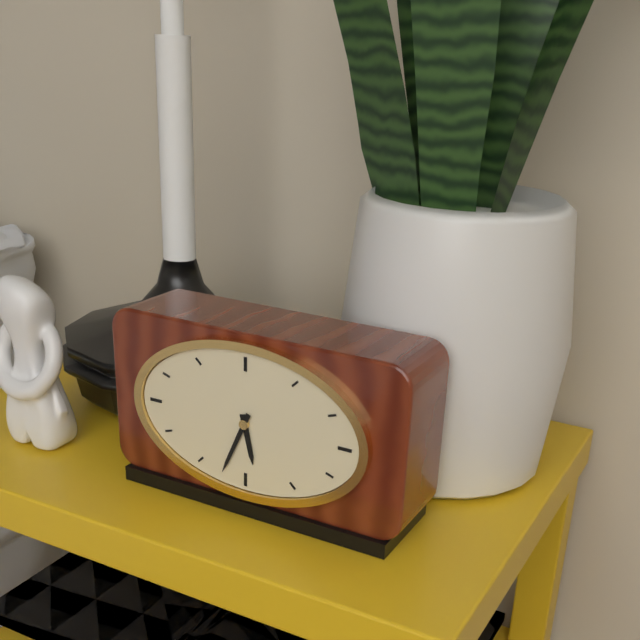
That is 5:34
